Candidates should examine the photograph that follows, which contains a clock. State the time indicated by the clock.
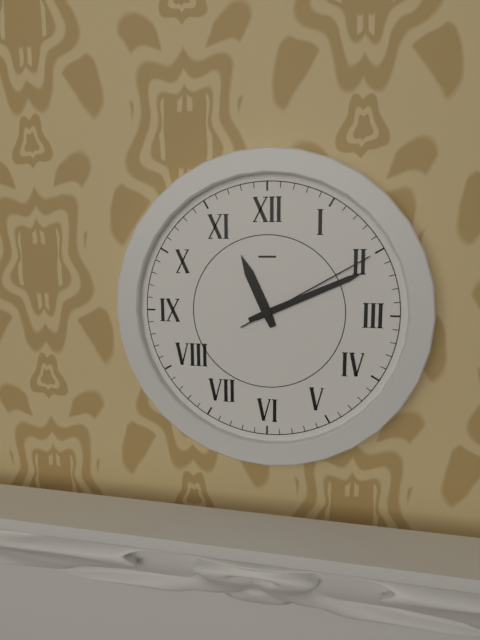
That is 11:11:10
